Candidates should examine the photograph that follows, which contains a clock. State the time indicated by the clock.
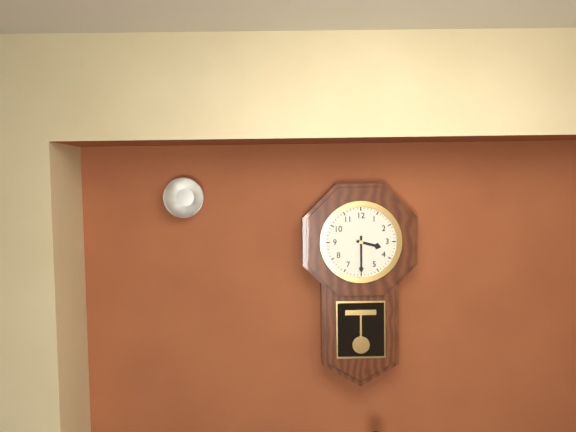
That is 3:30
